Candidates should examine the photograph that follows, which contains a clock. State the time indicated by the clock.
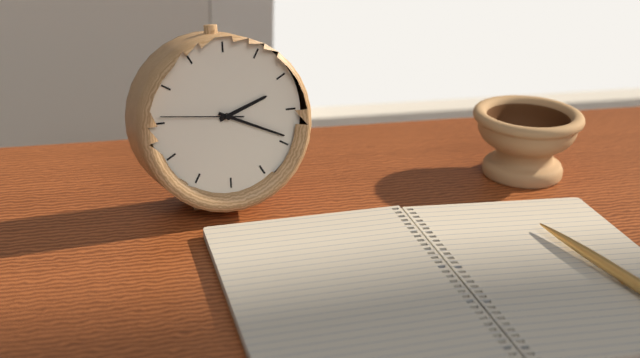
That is 2:19:46
